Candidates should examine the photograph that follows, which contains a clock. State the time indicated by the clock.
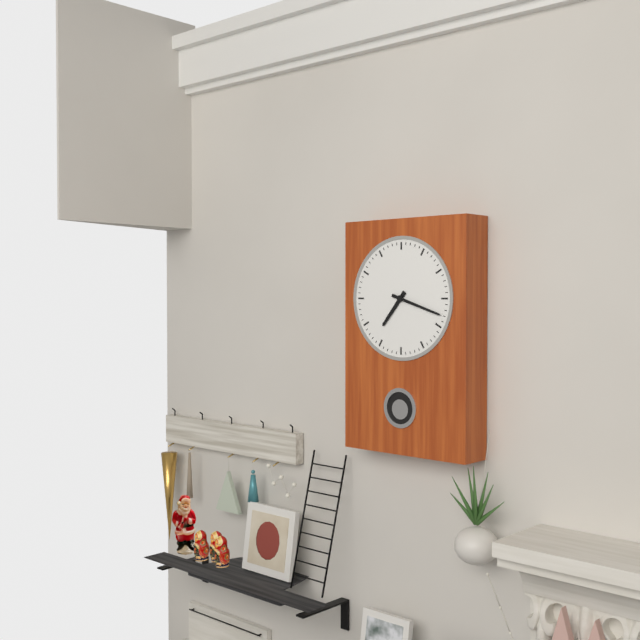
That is 7:18
